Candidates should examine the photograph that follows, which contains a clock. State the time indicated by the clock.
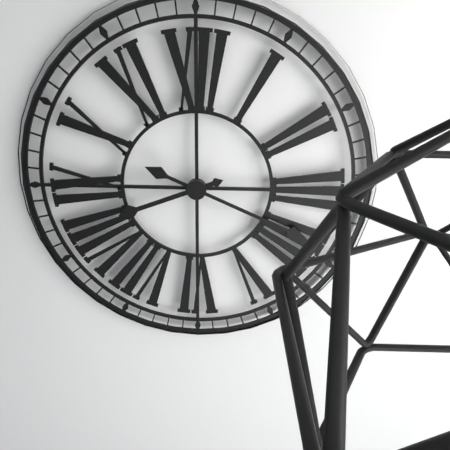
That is 8:19
